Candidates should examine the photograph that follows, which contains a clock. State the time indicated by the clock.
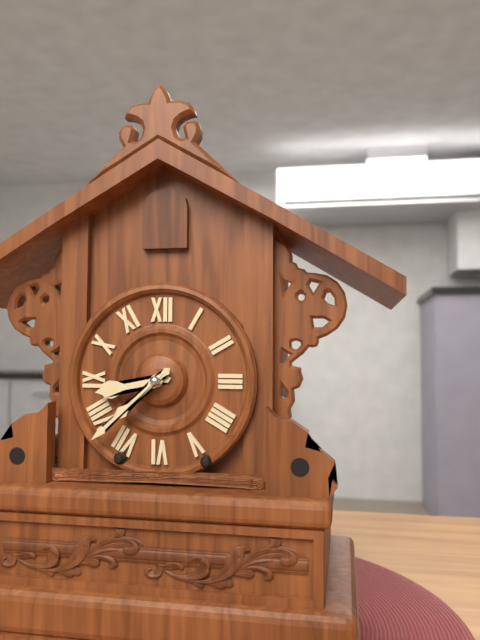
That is 8:38
